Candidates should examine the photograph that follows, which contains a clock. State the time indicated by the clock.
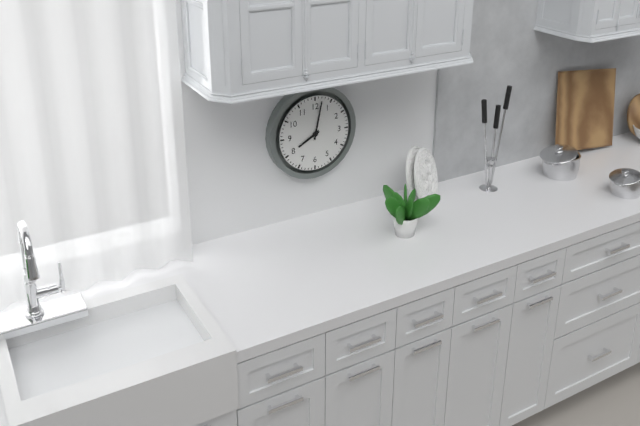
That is 8:02
